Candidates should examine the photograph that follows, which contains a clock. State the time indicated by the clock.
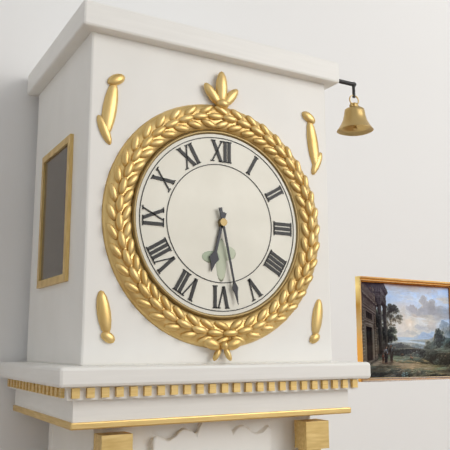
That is 6:28
